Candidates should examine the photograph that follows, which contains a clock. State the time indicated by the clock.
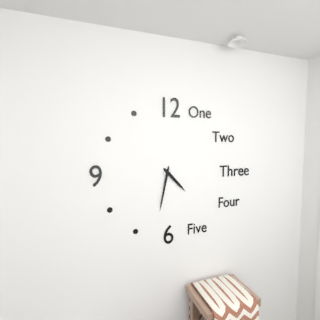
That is 4:32
